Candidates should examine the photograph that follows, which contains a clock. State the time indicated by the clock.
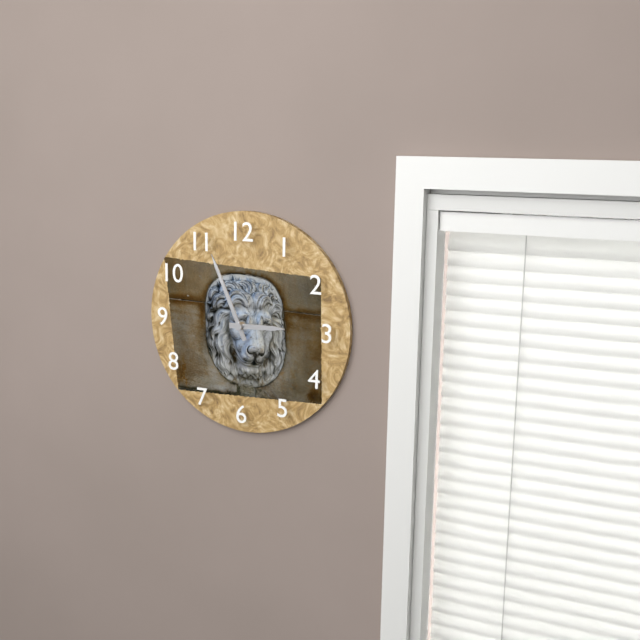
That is 2:56
